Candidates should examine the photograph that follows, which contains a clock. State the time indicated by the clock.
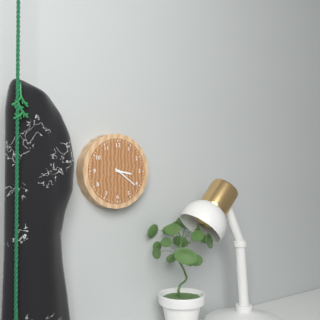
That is 3:21
